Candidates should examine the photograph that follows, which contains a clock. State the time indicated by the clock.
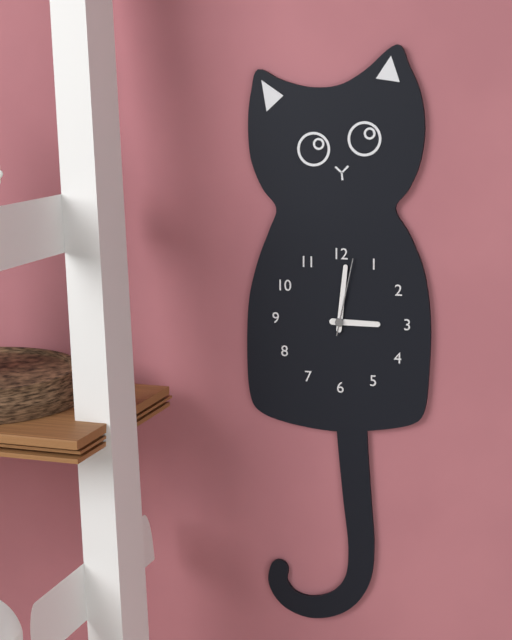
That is 3:01:02
